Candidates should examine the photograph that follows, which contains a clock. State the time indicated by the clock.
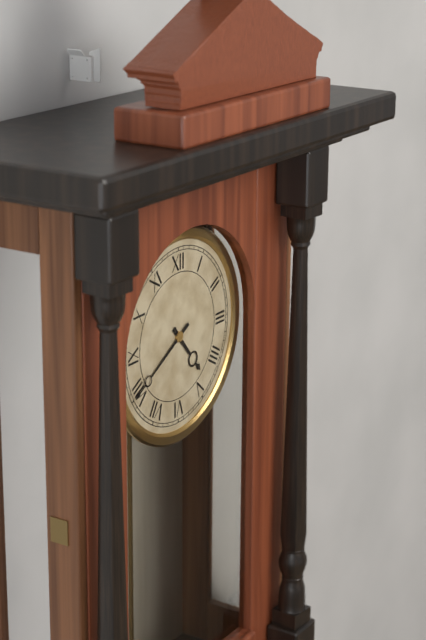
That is 4:40
